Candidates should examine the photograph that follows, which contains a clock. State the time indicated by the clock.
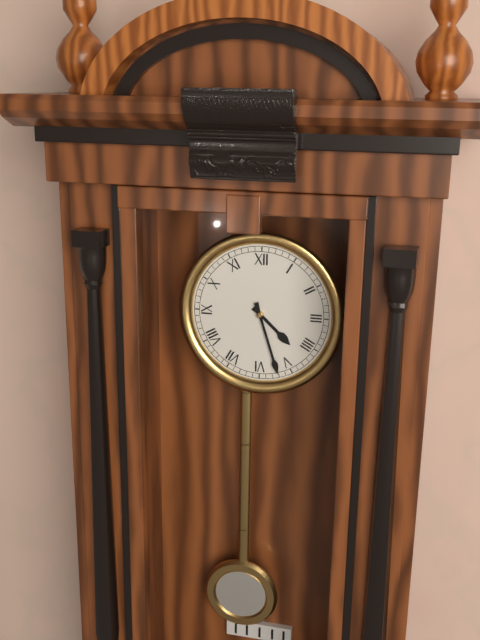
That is 4:27
